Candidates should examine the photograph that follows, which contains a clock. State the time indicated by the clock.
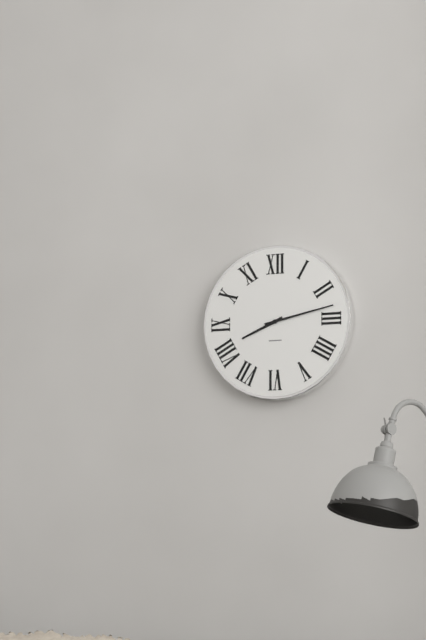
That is 8:13
